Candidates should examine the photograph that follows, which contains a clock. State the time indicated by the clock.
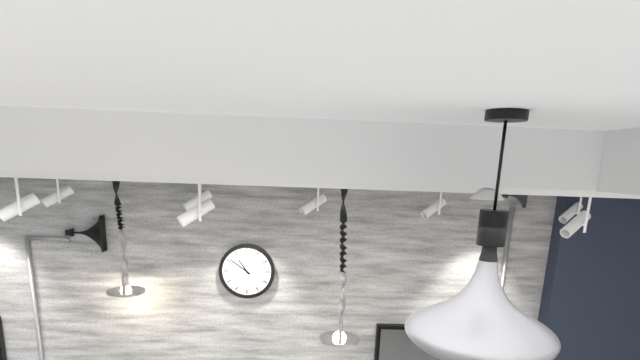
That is 10:51
